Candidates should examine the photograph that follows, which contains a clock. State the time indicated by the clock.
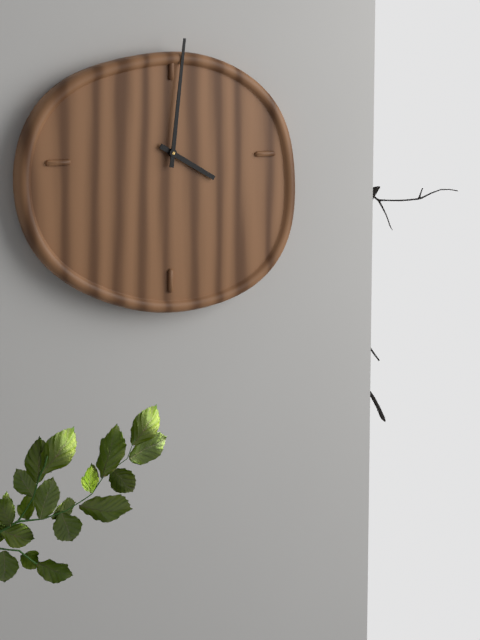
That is 4:01
